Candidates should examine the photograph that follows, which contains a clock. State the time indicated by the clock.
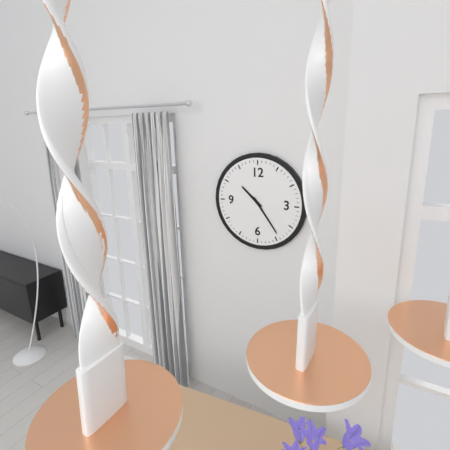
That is 10:24
